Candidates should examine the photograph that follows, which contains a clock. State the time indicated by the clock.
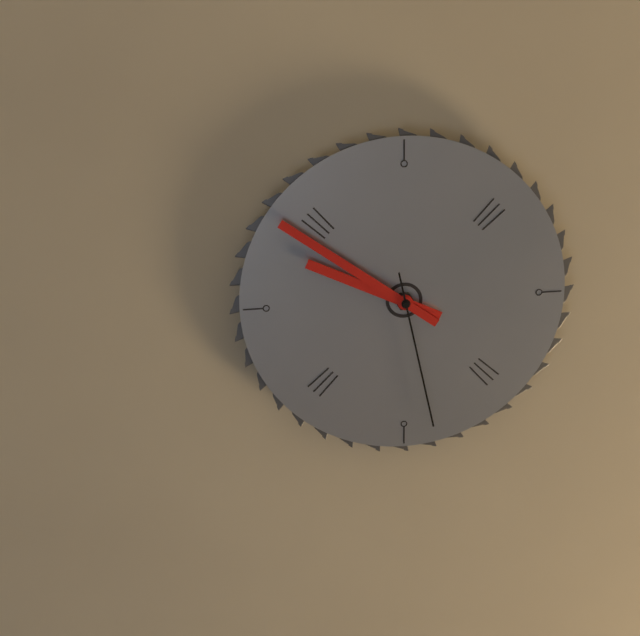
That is 9:51:28
